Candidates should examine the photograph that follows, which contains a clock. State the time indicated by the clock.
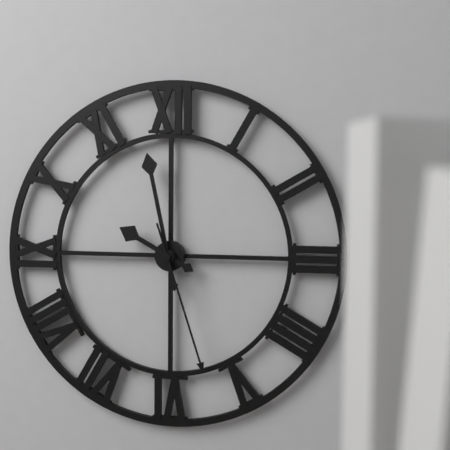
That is 9:58:27
